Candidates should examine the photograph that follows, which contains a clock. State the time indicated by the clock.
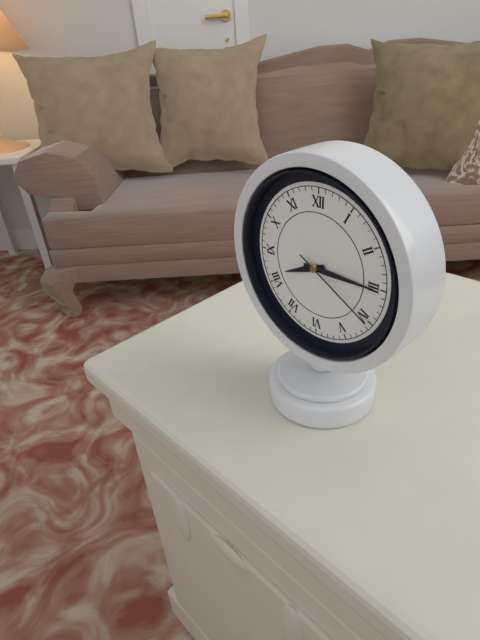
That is 8:15:20
